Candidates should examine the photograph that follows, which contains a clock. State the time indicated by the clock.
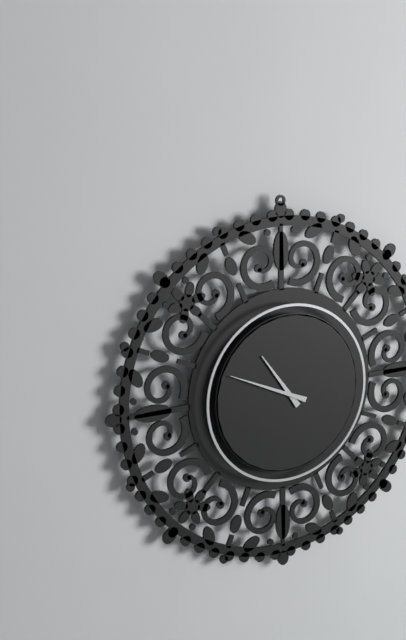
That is 10:49
